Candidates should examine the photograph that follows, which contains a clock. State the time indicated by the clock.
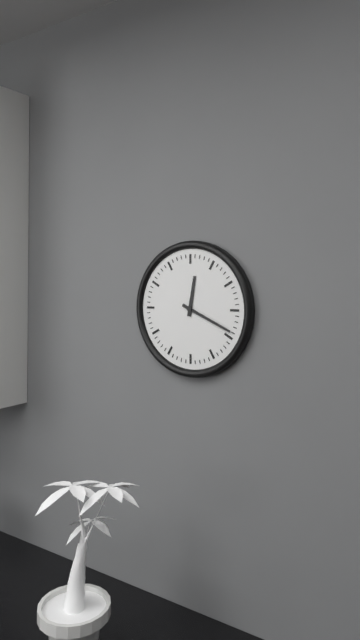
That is 12:19
